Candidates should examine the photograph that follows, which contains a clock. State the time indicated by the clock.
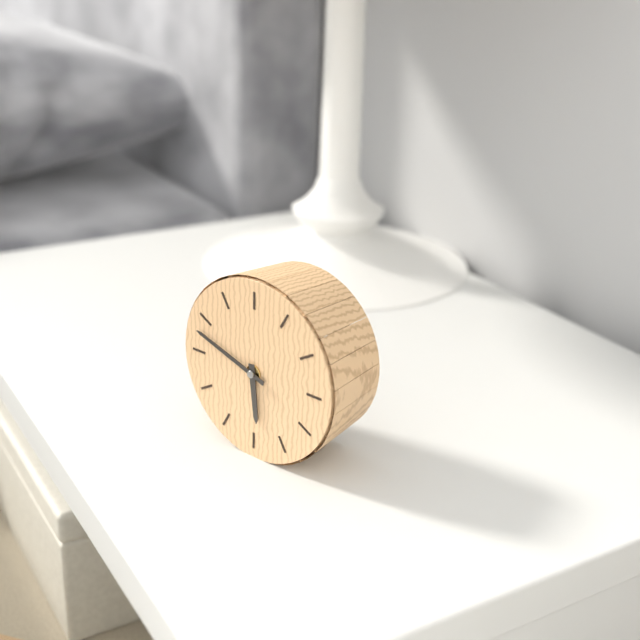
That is 5:48
